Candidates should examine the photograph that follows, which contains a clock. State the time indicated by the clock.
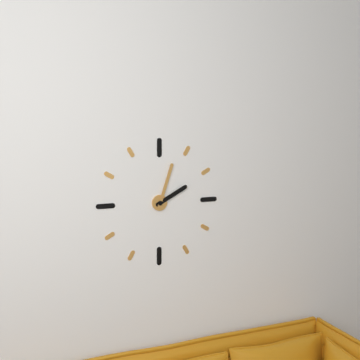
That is 2:03
